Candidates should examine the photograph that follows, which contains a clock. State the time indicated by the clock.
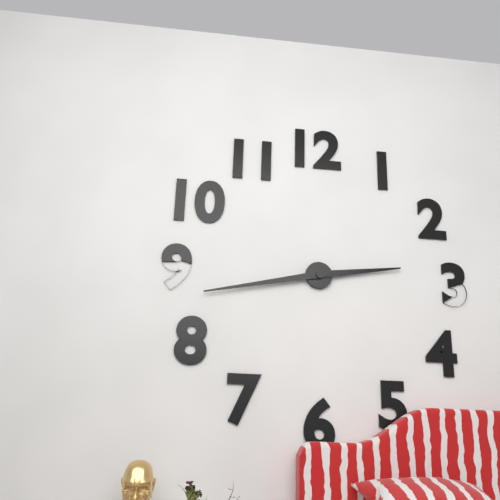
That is 2:43
